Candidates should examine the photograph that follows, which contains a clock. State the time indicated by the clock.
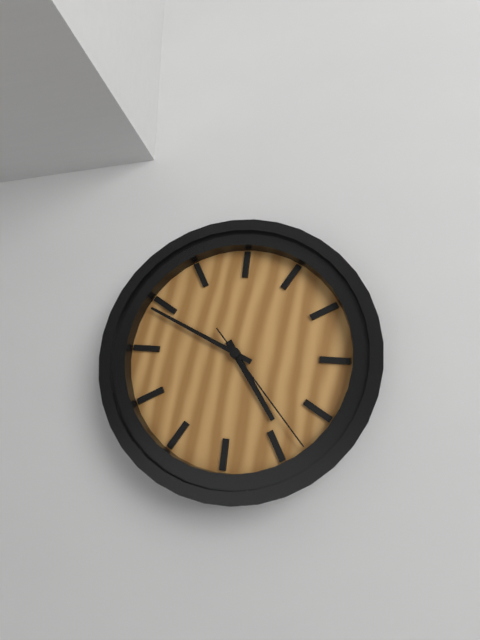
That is 4:49:23
